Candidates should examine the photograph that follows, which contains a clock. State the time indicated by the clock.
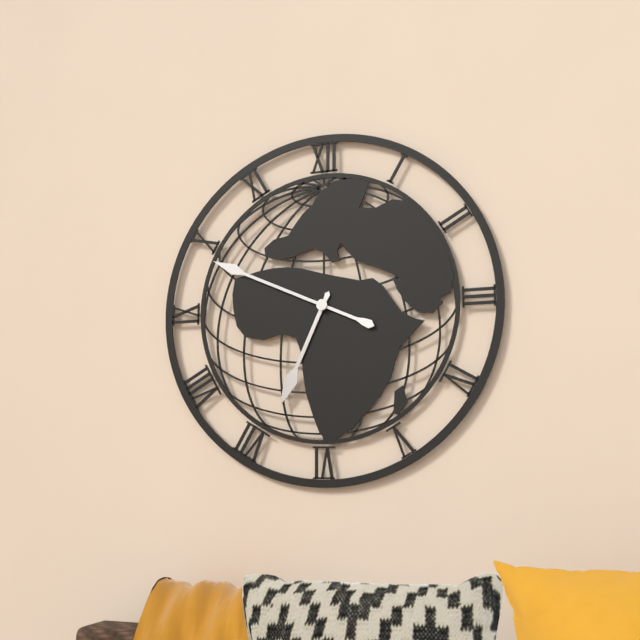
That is 6:49
